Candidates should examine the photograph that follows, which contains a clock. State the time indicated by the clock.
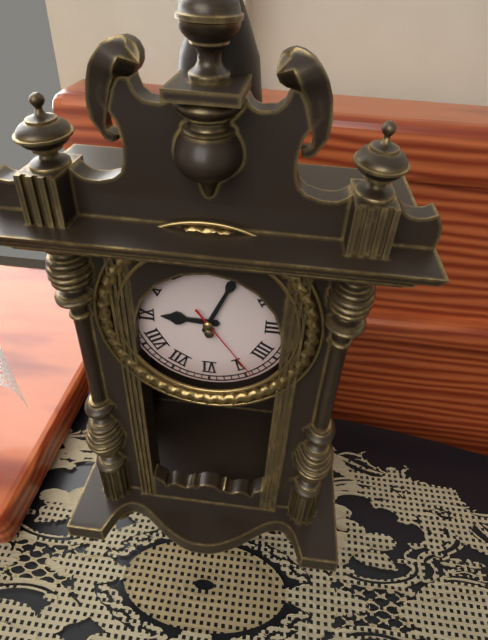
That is 9:04:24
